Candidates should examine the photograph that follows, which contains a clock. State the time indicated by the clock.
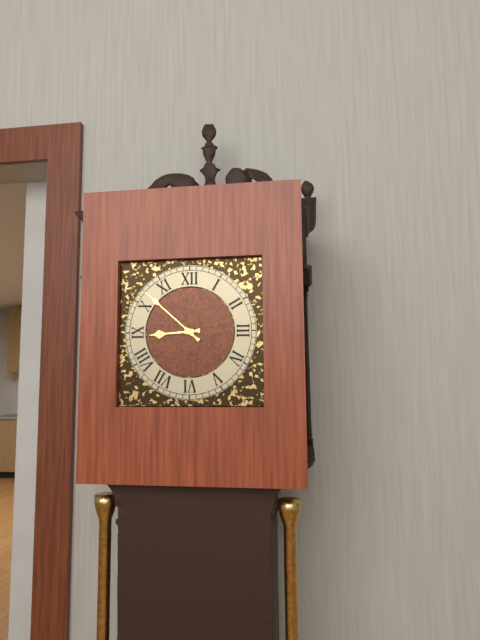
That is 8:52
